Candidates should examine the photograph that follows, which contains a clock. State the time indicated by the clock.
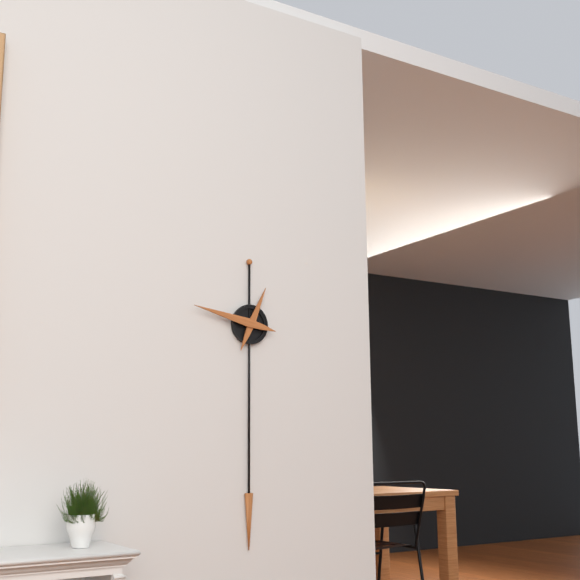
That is 12:47
